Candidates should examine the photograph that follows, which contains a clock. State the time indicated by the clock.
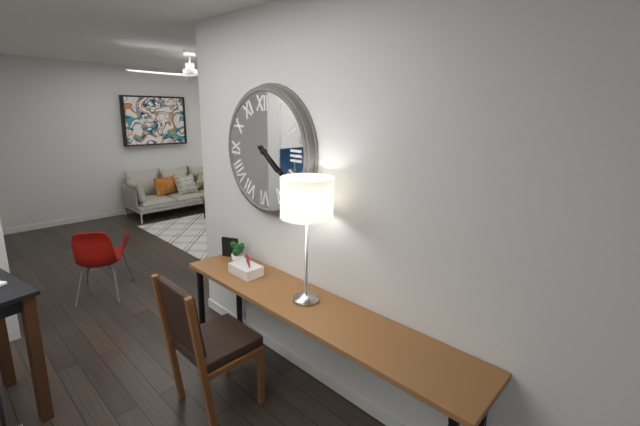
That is 4:21
